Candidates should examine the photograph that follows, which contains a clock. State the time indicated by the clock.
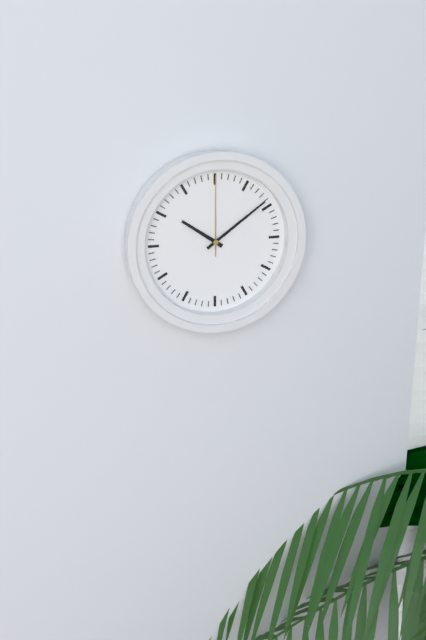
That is 10:09:00
